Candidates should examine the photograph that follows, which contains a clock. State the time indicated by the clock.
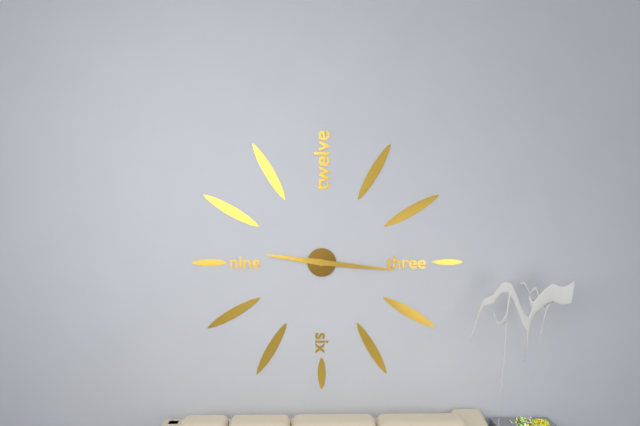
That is 9:16
